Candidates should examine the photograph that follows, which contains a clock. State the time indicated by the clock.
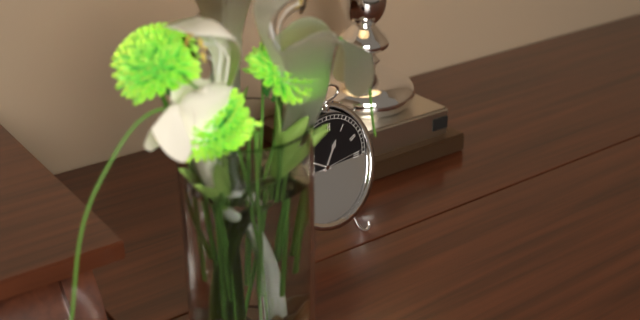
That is 12:50:14
